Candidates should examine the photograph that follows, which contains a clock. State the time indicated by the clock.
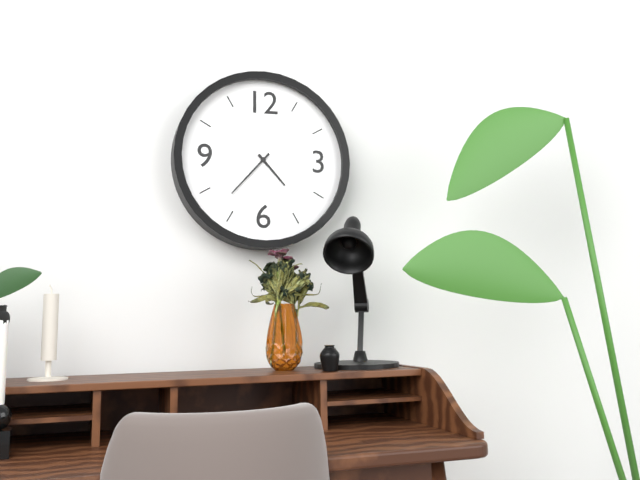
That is 4:37
